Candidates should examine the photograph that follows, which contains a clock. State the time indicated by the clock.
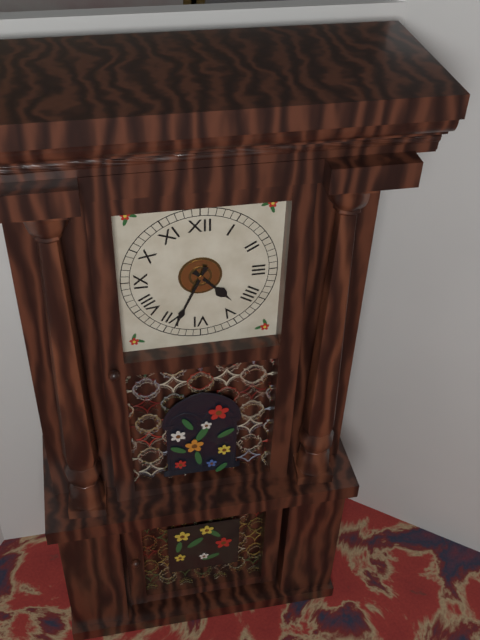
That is 4:34
